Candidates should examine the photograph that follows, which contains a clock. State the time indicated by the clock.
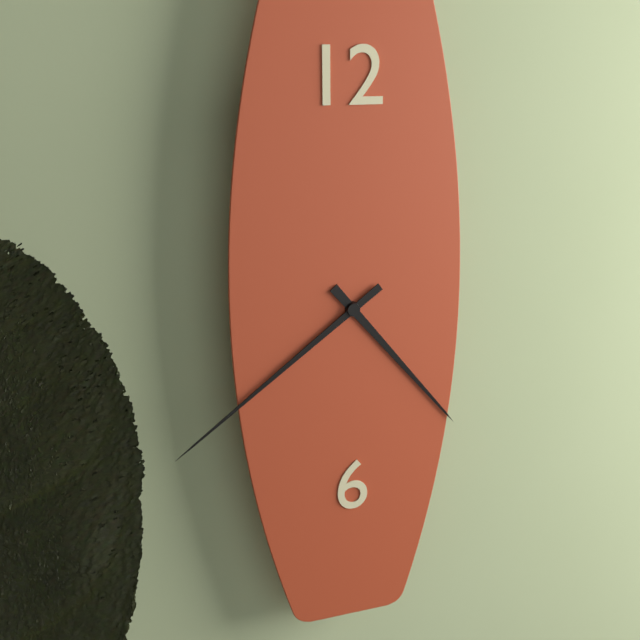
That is 4:39
